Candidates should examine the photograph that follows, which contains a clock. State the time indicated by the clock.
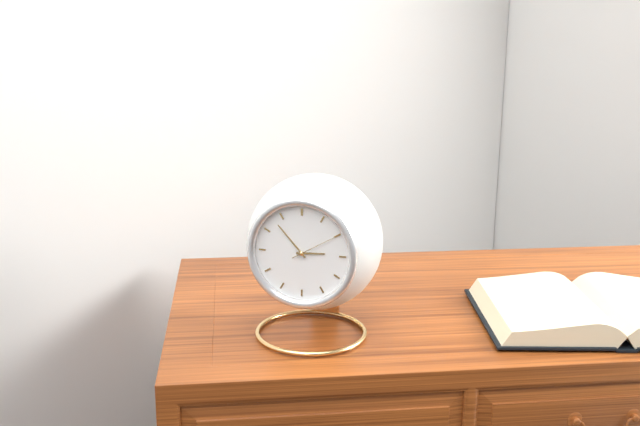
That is 2:53:10
